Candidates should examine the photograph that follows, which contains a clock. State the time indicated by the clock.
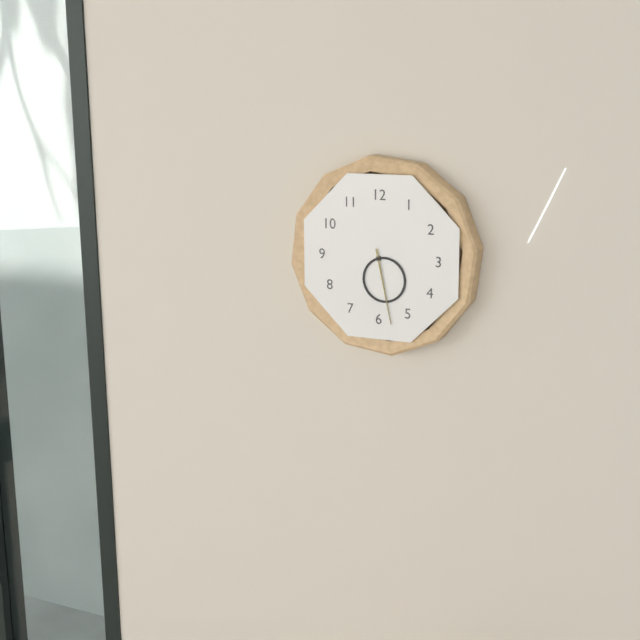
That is 5:28
